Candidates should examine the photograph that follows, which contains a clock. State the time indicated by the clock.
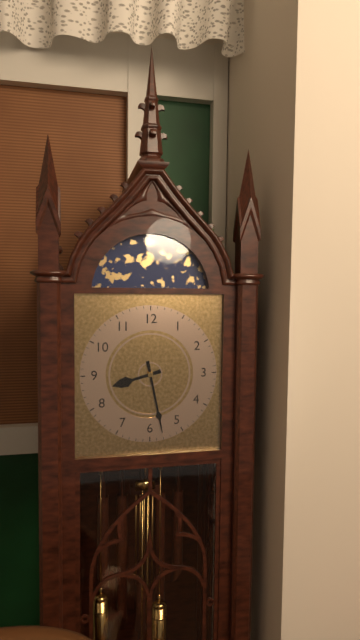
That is 8:28
